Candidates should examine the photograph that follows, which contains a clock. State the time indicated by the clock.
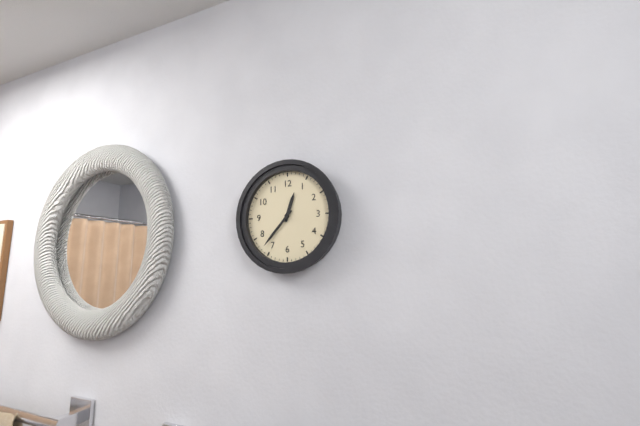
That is 12:37
